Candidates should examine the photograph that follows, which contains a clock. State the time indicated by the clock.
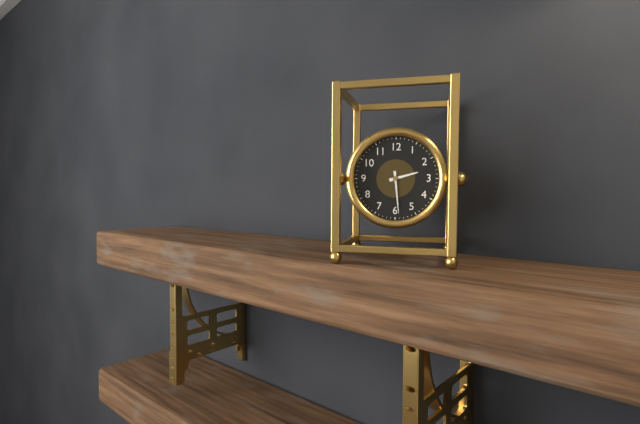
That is 2:29
